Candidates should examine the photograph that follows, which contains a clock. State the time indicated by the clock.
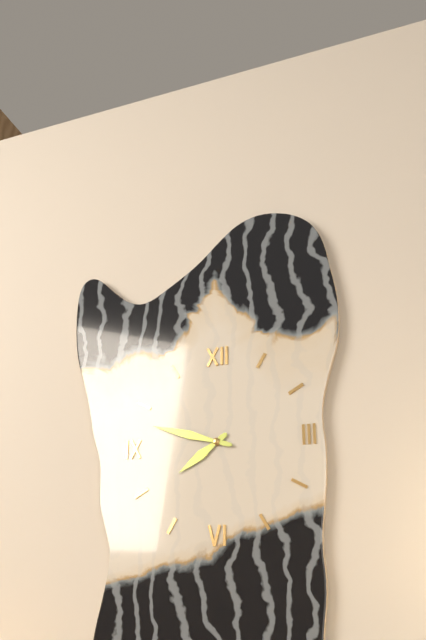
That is 7:48
